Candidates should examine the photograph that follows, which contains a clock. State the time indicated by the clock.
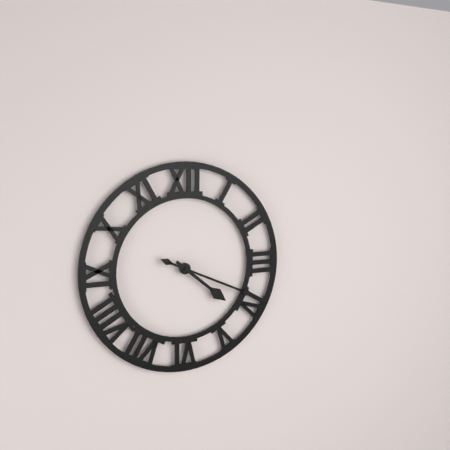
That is 4:19
